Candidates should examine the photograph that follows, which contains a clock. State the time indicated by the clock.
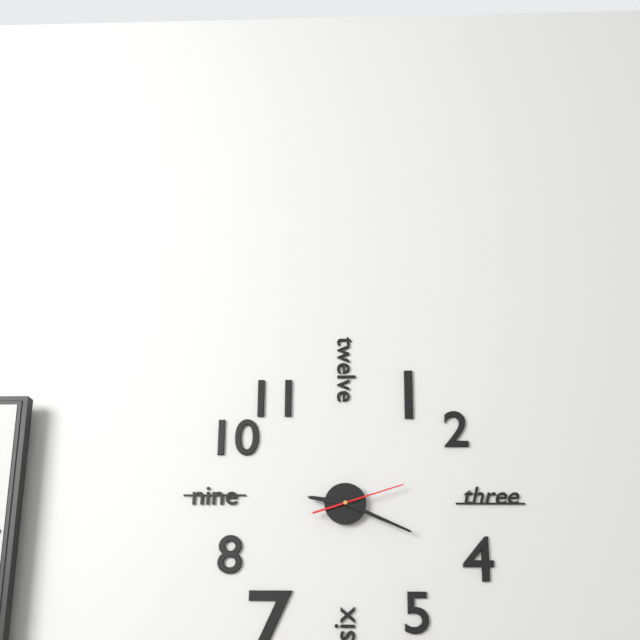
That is 9:19:12
